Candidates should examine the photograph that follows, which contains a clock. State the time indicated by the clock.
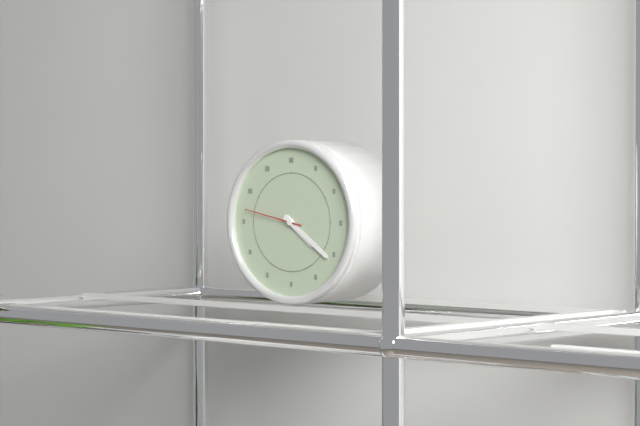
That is 4:21:47
